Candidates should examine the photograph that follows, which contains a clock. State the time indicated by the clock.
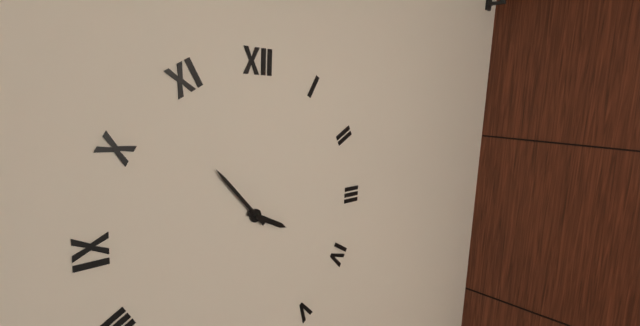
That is 3:53
